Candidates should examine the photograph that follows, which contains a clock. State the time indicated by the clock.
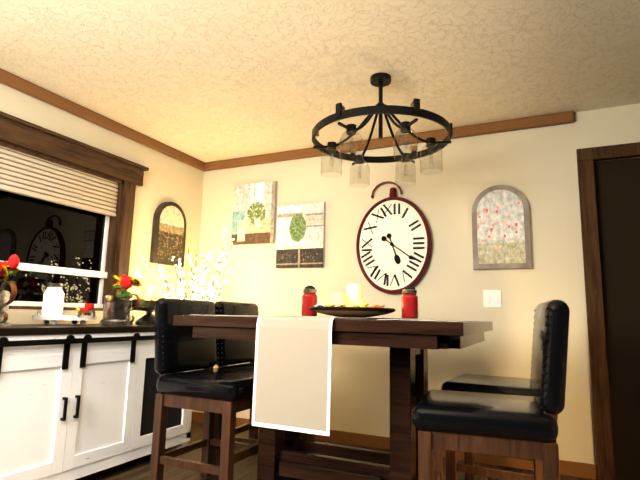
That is 5:21
